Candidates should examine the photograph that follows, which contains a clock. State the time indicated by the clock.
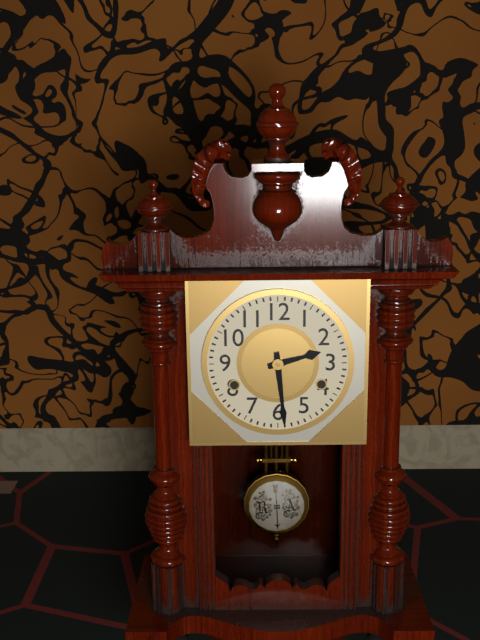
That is 2:29
